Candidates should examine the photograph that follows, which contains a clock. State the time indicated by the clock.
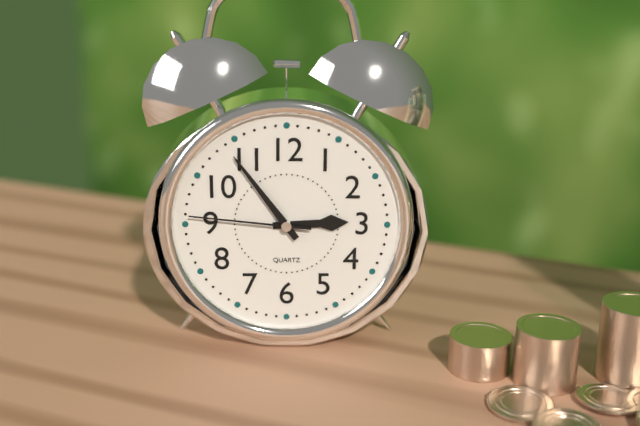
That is 2:54:46
